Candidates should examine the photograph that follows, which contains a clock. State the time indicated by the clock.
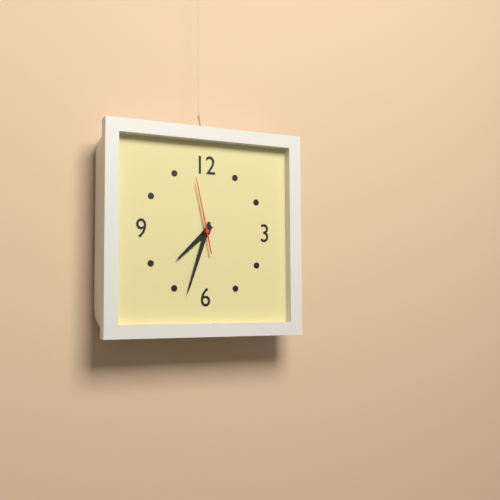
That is 7:33:58
